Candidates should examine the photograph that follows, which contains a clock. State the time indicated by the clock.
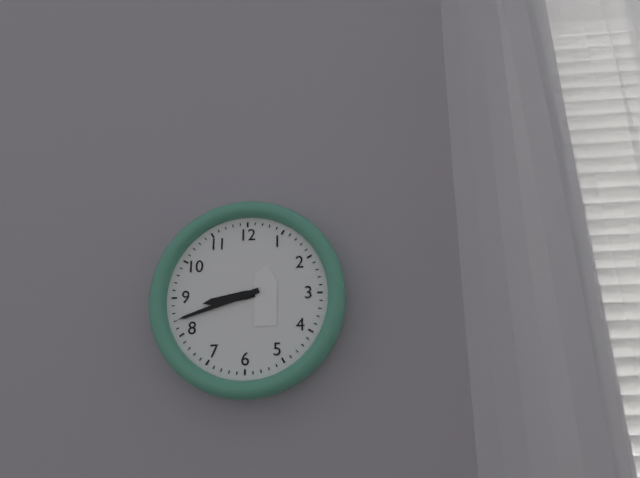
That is 8:42
